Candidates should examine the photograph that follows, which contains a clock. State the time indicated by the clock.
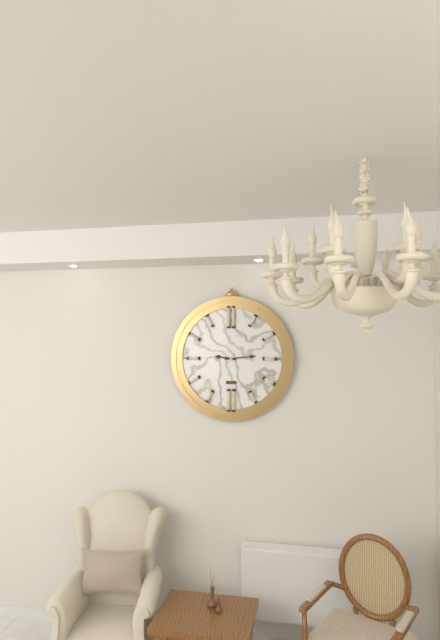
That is 9:14
